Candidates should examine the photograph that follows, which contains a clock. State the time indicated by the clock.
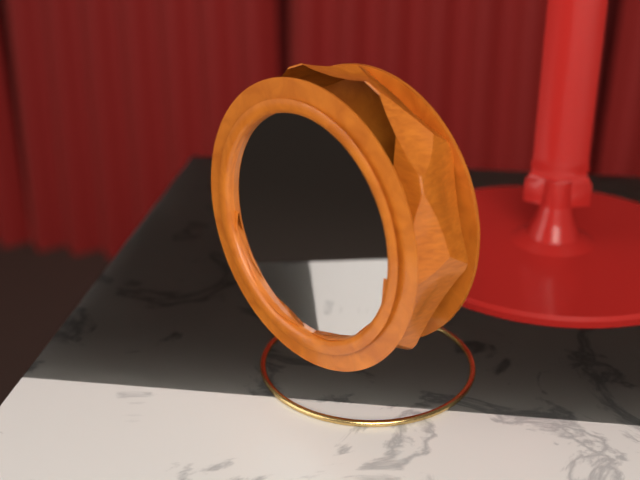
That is 9:37:10
